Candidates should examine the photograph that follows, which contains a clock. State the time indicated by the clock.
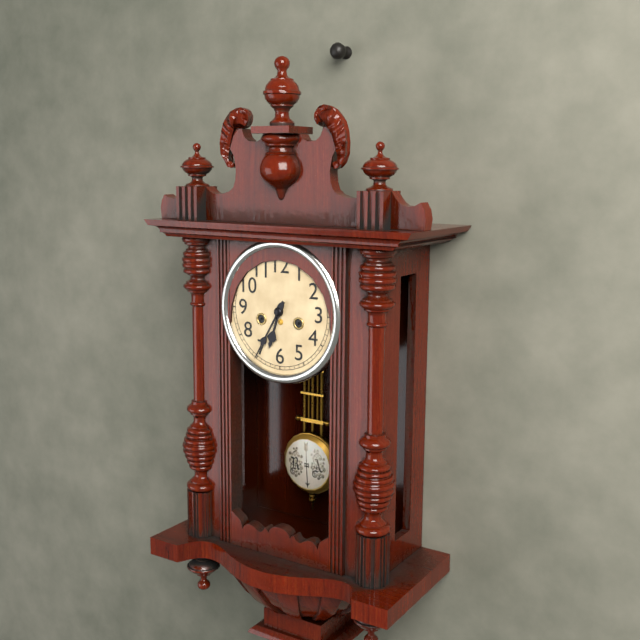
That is 6:35
